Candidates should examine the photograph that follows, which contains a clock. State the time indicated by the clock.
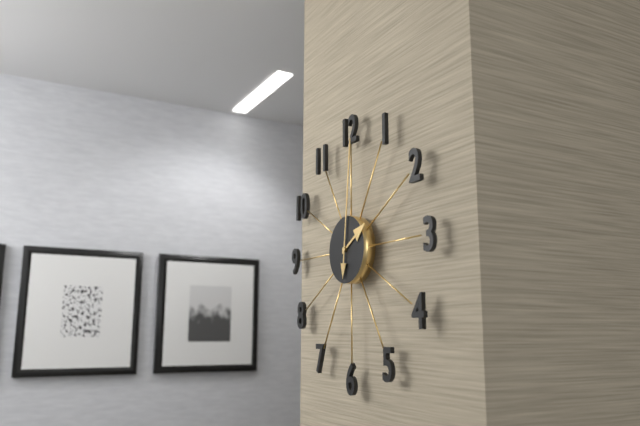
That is 2:01
